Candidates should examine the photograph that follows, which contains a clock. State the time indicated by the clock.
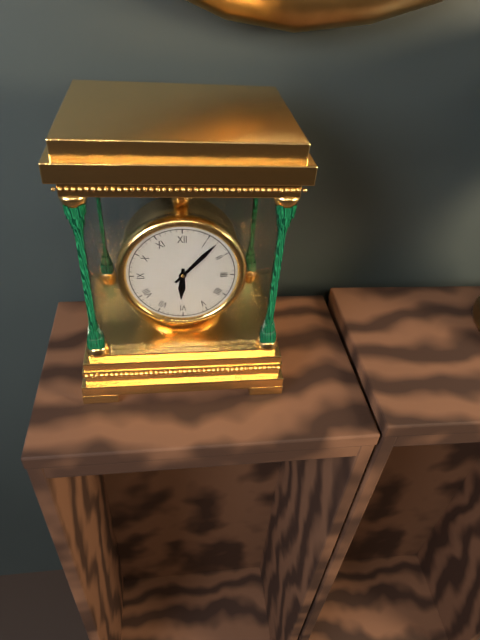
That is 6:07
